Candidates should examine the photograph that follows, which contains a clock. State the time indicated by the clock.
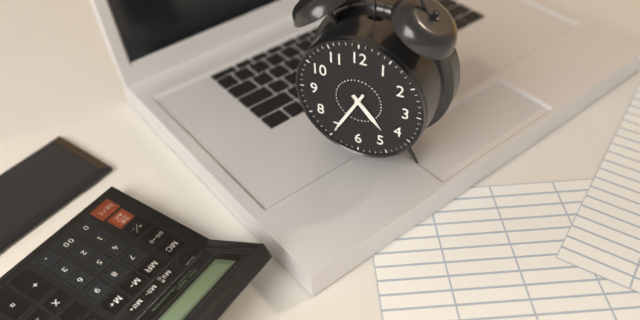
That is 4:35
